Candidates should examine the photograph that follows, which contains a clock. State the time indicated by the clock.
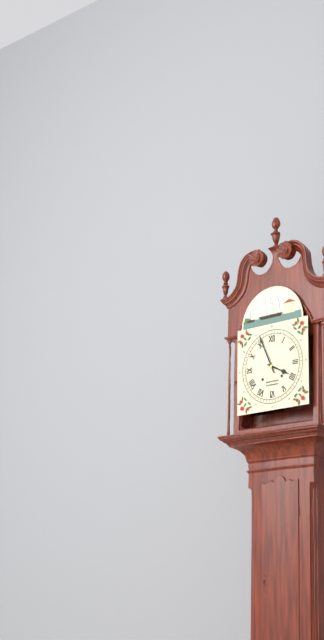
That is 3:56
